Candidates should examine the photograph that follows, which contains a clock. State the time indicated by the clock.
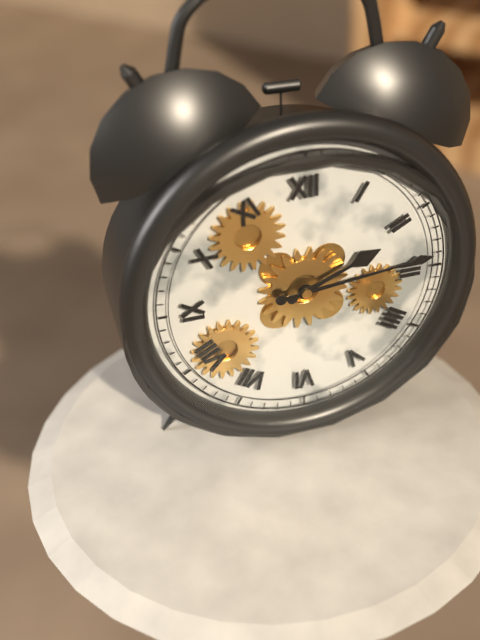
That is 2:14
